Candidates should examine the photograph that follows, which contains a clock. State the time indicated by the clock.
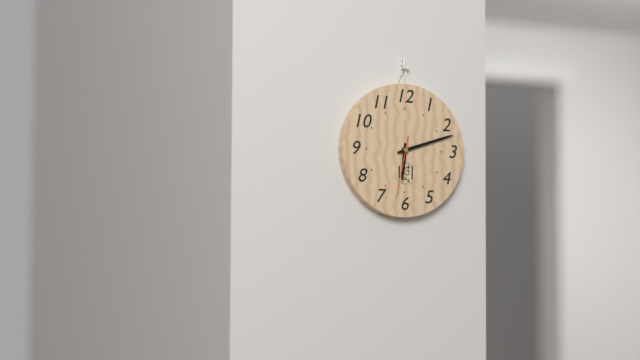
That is 6:12:32
